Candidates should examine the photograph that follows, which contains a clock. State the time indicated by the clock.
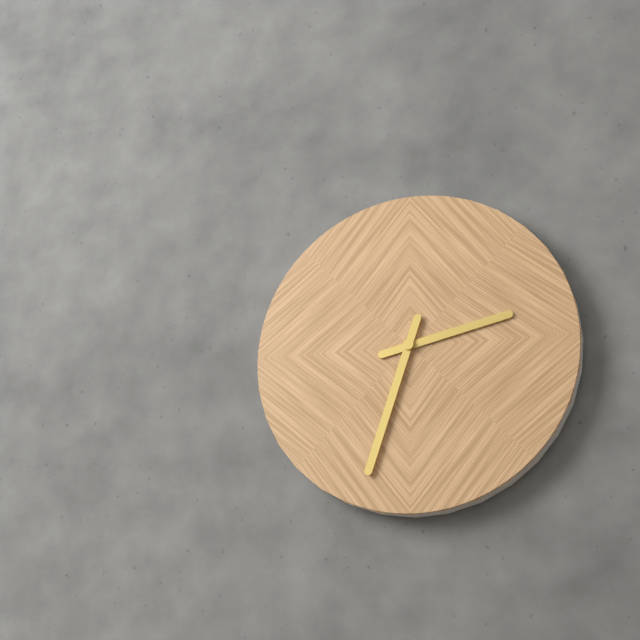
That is 2:33
